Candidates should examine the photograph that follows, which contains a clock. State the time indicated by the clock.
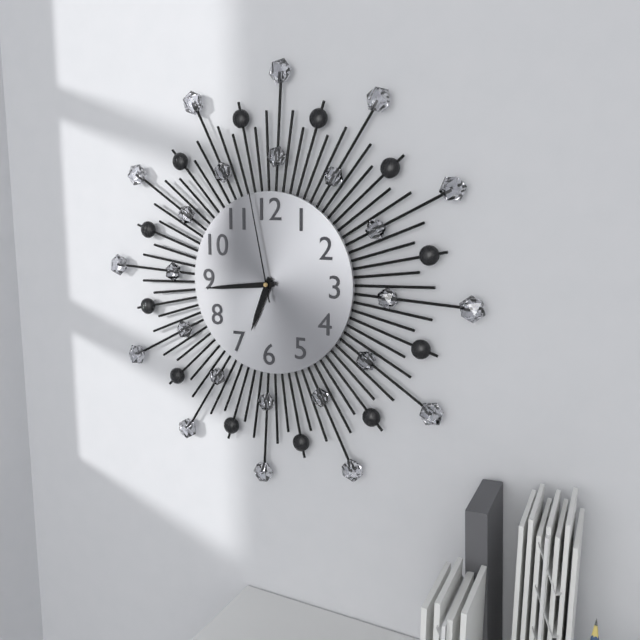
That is 6:44:58
